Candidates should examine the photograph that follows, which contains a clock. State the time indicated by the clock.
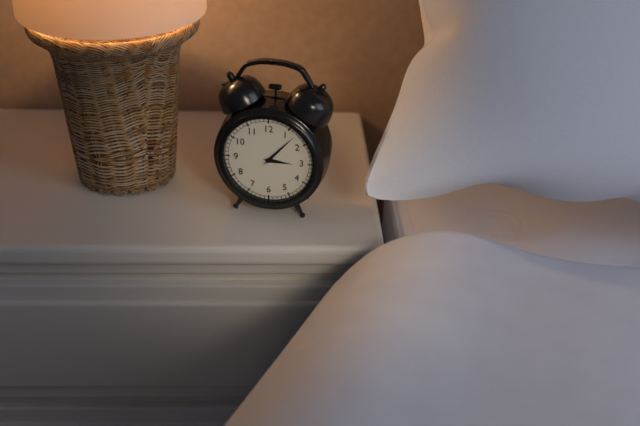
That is 3:07
